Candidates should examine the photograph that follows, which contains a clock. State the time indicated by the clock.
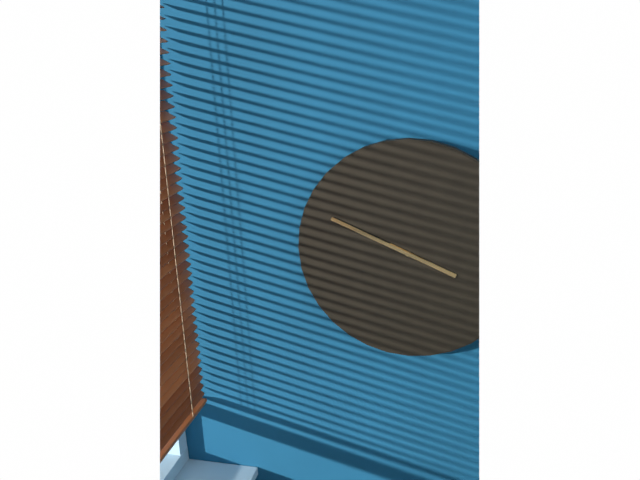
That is 3:49
